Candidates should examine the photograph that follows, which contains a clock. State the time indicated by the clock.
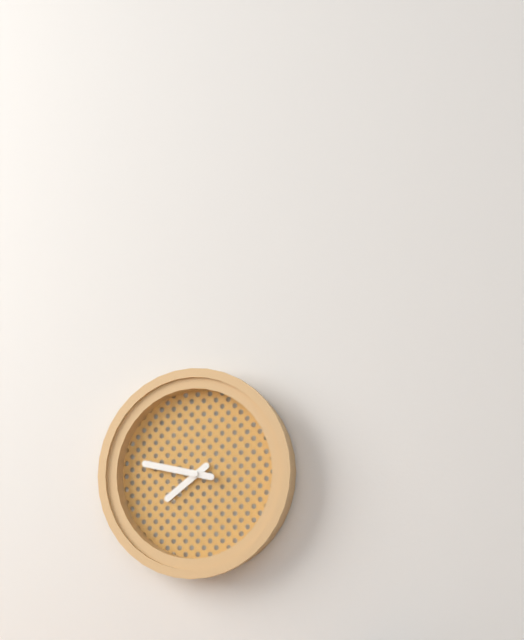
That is 7:47
